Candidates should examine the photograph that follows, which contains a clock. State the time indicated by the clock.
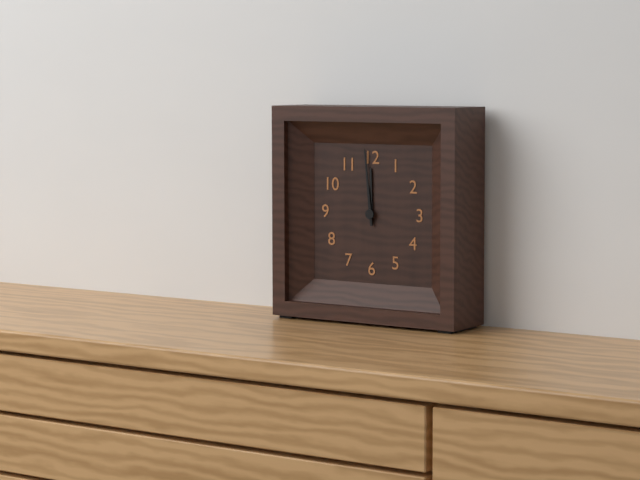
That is 11:59
